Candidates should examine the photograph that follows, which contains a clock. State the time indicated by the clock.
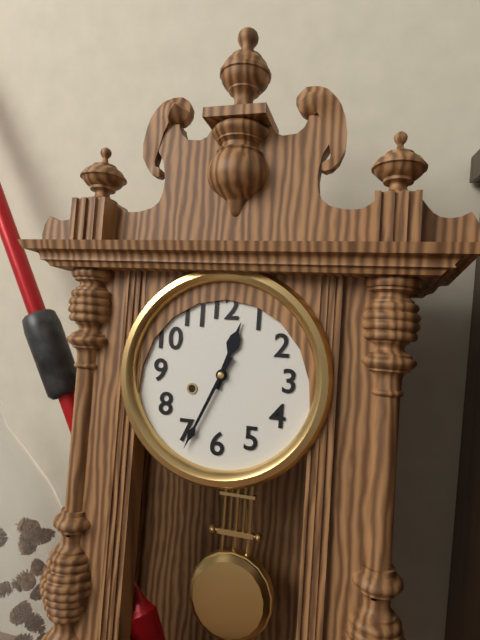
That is 12:34
